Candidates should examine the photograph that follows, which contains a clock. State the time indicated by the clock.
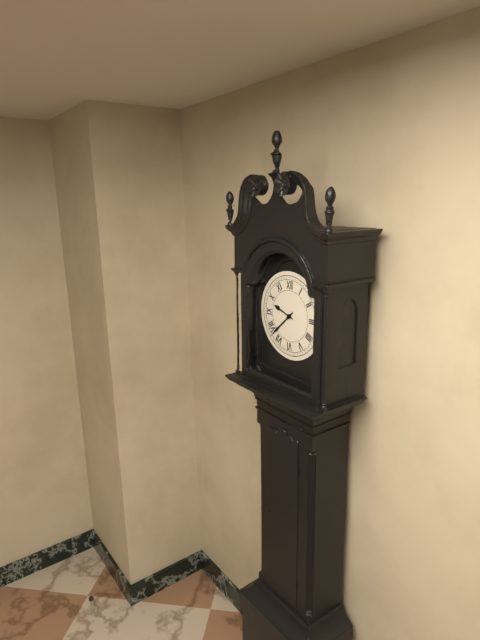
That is 9:38
